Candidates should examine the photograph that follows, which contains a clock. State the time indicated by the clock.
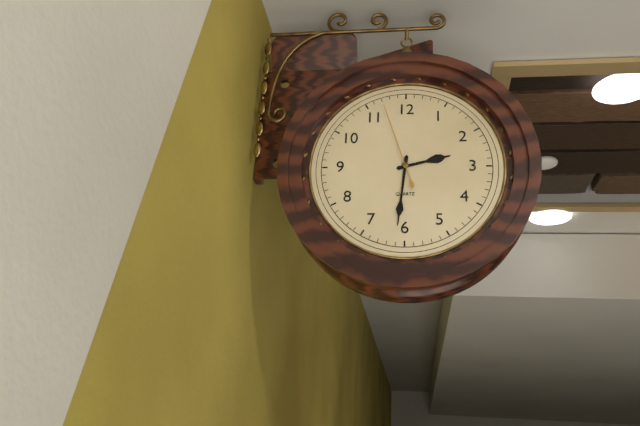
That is 2:31:57
